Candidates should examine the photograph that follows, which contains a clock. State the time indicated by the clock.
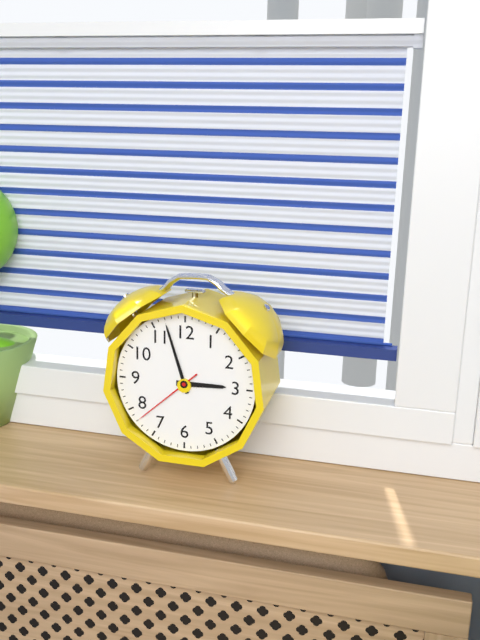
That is 2:57:38
